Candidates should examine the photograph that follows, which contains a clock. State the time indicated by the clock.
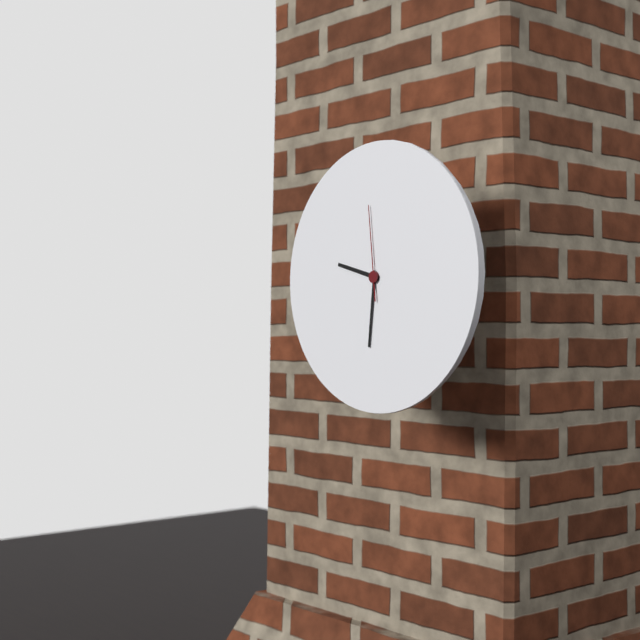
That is 9:31:59
